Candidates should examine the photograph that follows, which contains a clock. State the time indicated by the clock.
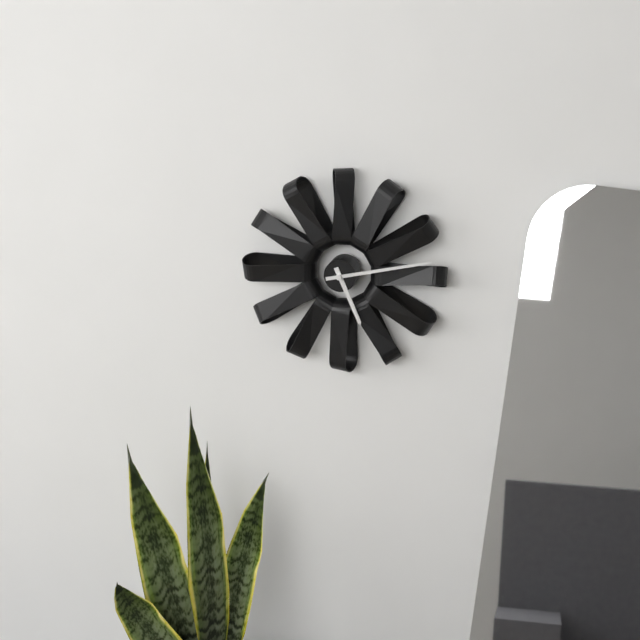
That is 5:13
